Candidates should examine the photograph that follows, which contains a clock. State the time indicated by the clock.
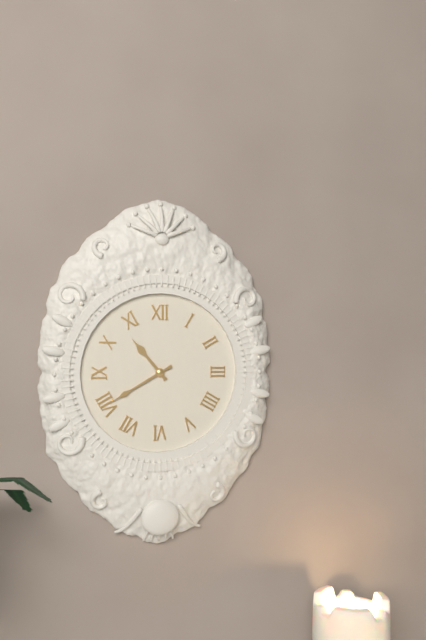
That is 10:40
